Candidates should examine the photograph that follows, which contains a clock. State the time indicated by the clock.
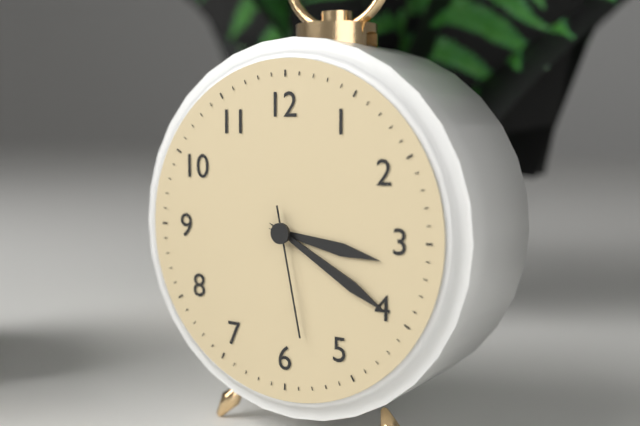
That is 3:20:28
